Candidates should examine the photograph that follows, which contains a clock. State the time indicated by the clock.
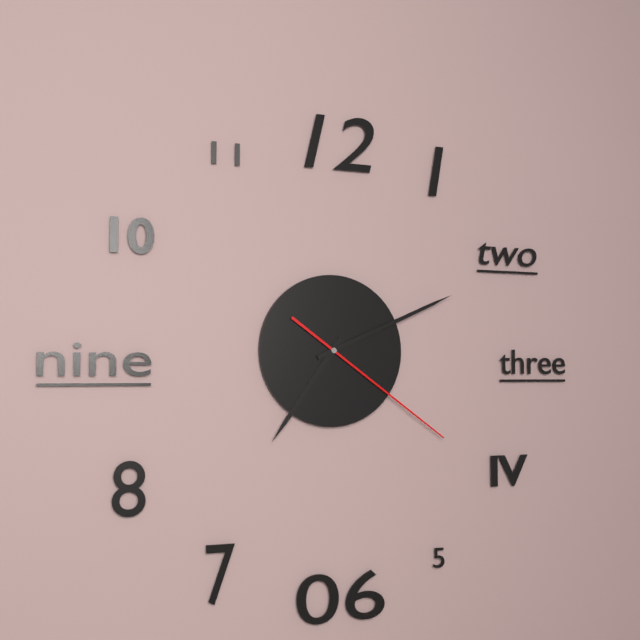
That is 7:11:21
